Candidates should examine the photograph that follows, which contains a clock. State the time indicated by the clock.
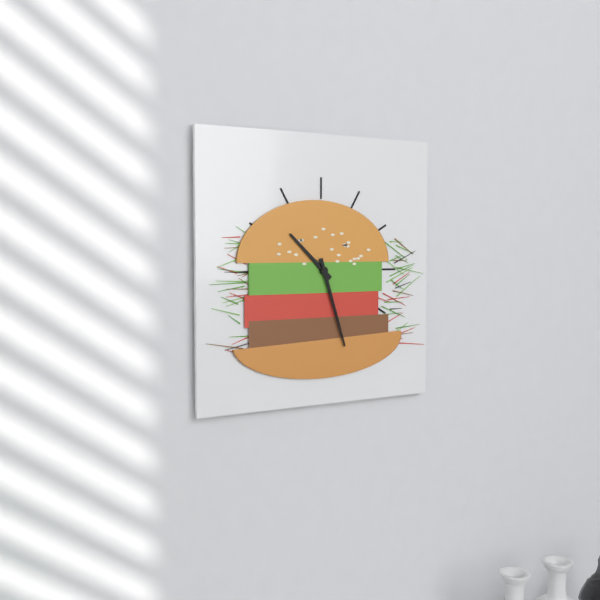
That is 10:27
